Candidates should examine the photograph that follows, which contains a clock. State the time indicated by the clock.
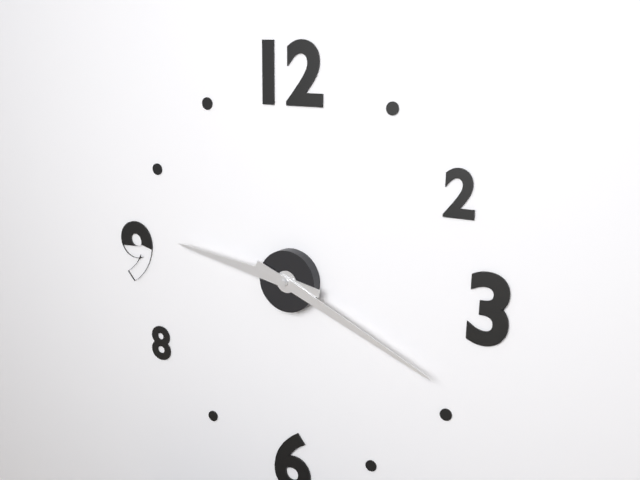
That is 9:19
